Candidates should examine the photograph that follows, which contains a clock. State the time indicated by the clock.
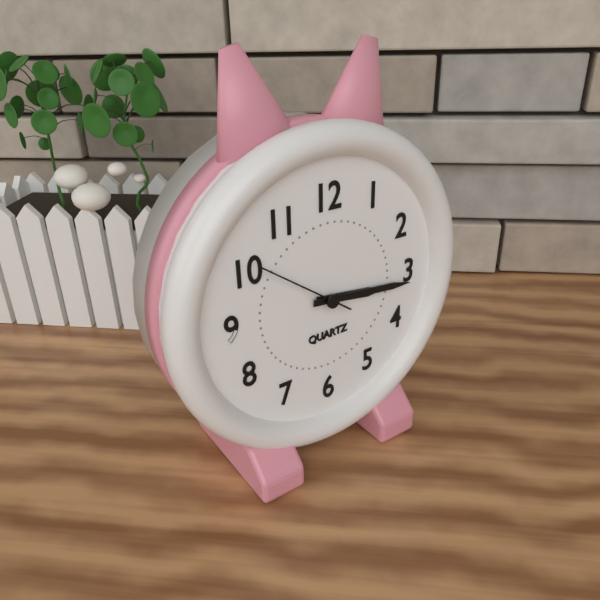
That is 3:16:51
